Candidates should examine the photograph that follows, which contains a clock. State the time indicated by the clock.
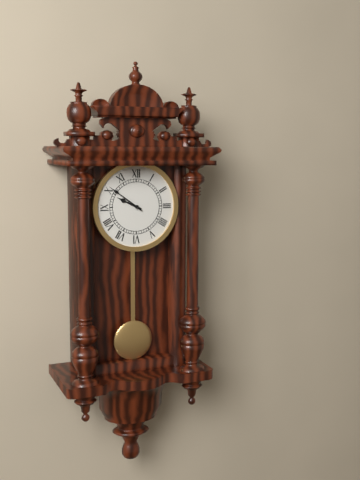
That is 9:51
